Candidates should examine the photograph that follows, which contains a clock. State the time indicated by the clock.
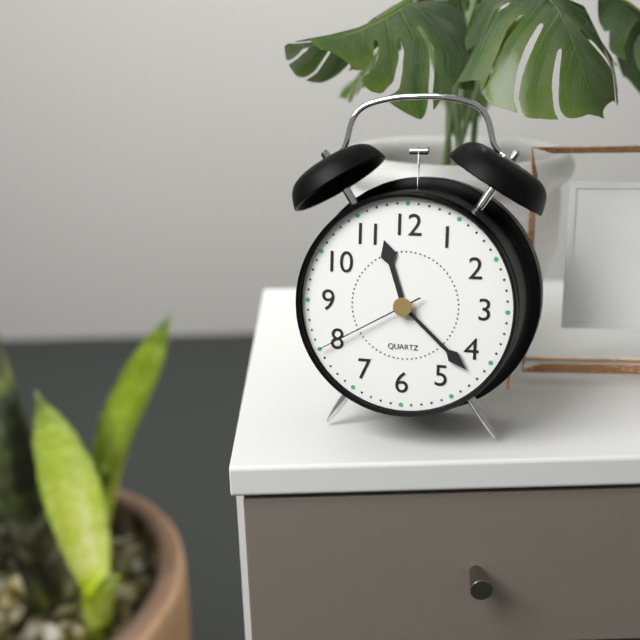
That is 11:22:40
